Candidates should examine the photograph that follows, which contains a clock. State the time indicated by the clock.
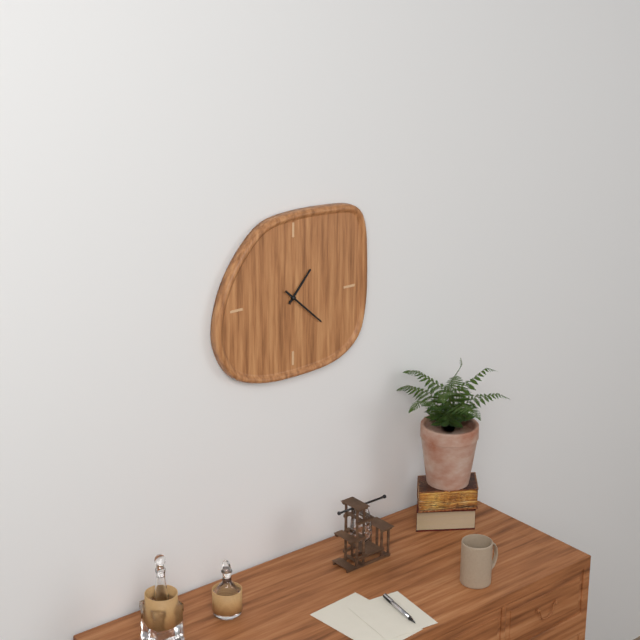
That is 1:22
